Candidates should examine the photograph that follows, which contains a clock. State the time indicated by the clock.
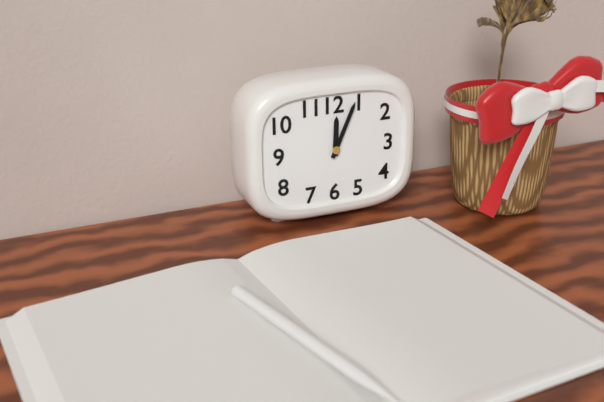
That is 12:04
